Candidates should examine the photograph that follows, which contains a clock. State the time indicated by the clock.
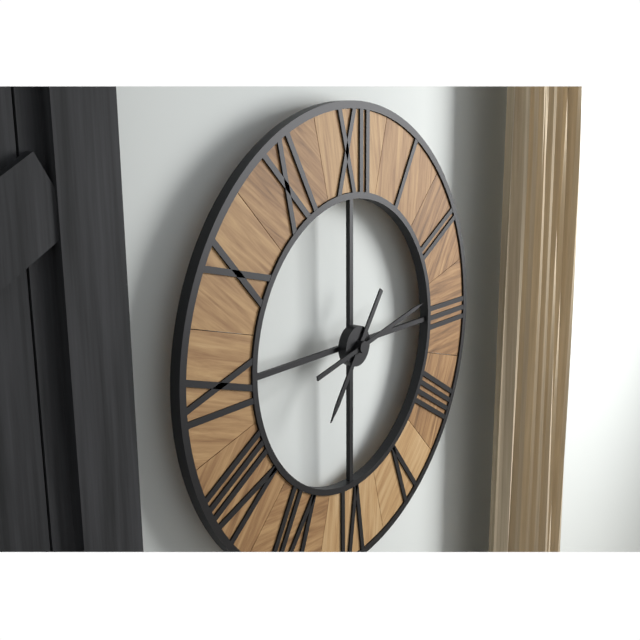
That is 7:13
